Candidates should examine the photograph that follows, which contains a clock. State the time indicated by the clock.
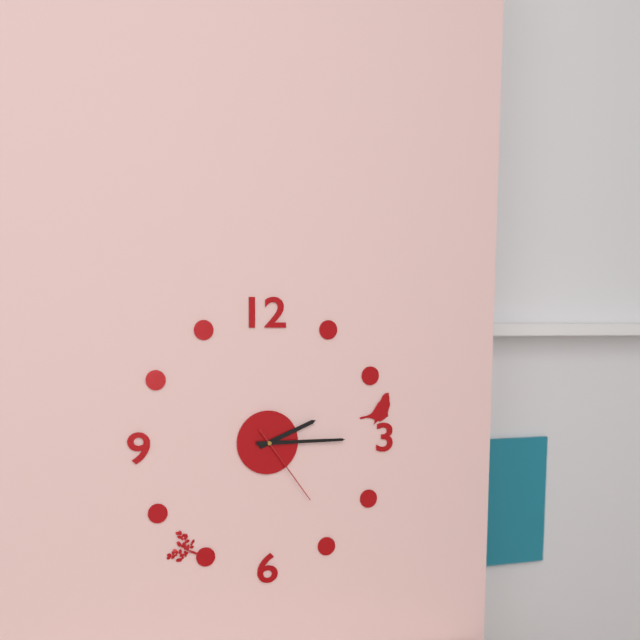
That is 2:15:24
